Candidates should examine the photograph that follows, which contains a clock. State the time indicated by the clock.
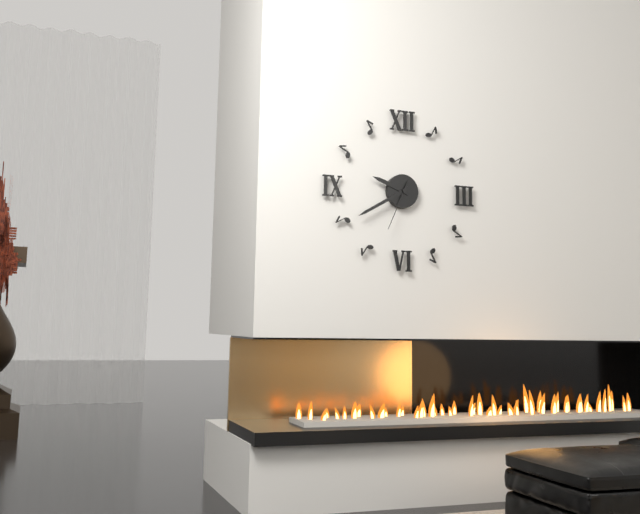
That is 9:40
